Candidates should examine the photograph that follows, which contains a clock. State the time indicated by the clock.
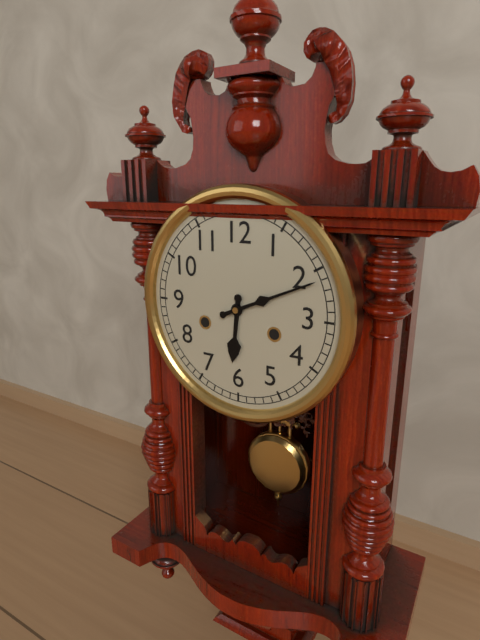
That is 6:11
